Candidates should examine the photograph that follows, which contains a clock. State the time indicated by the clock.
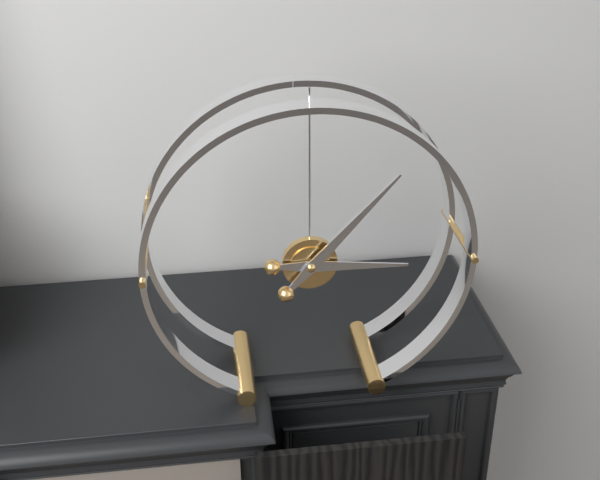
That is 3:07
